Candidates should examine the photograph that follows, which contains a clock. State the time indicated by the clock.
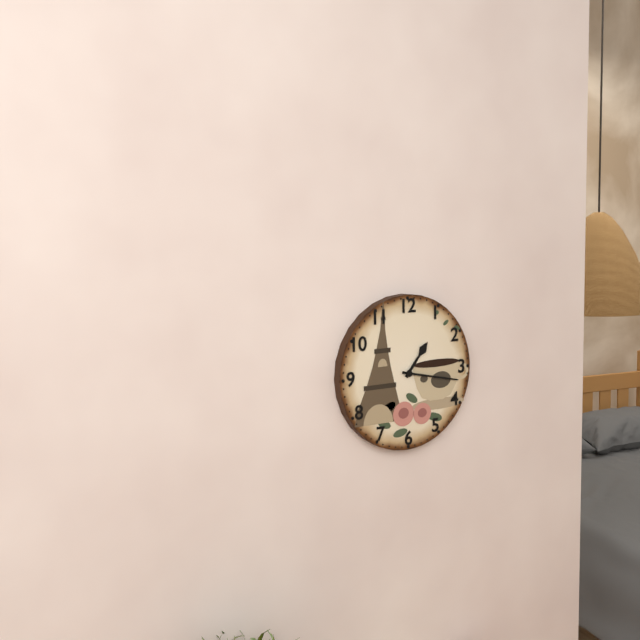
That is 1:17
